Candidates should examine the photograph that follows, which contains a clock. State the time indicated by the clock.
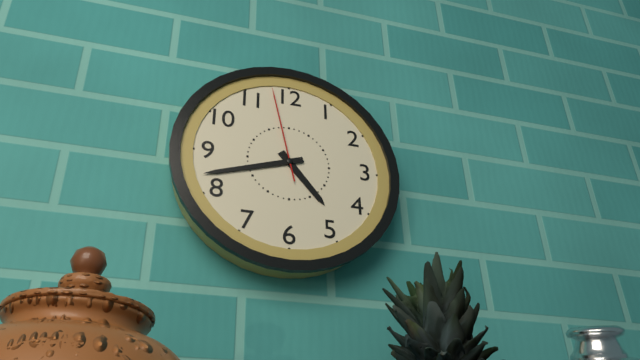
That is 4:42:58
